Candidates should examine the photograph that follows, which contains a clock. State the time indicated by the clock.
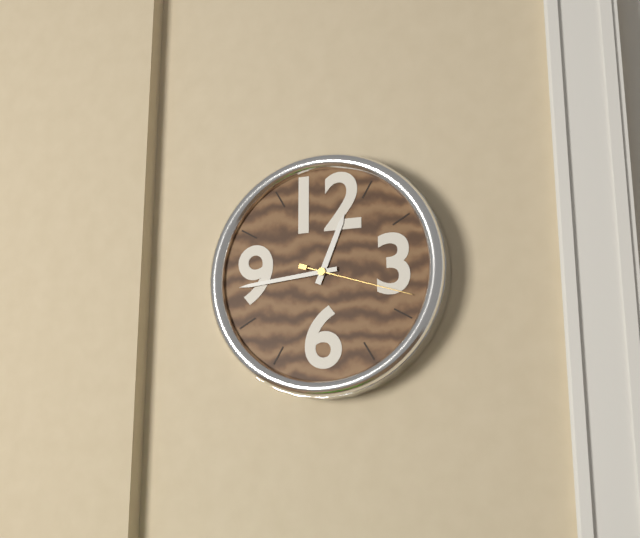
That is 12:44:18
